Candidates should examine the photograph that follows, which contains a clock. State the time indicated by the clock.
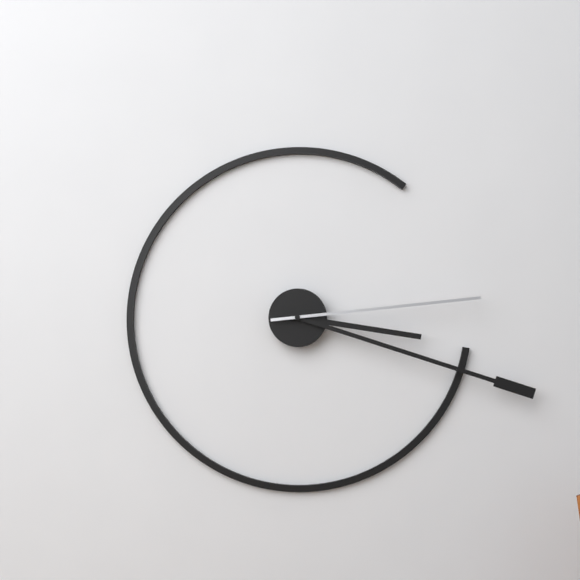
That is 3:18:14
